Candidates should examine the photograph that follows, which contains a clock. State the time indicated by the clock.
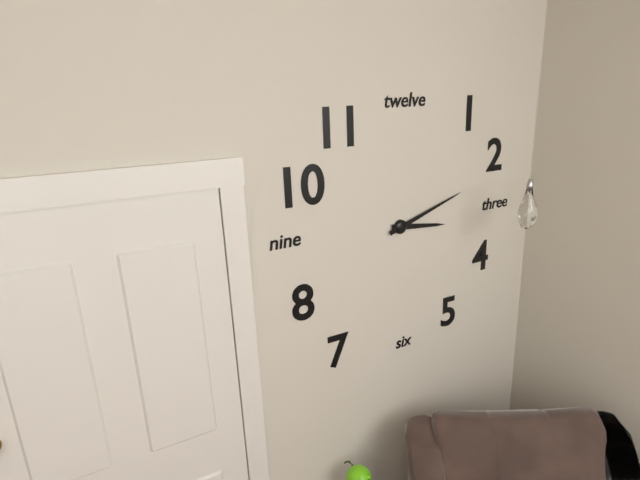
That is 3:12
